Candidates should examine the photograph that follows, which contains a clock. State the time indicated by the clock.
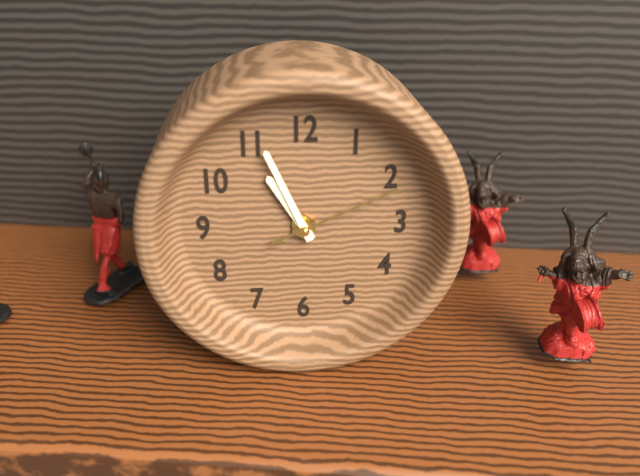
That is 10:56:11
